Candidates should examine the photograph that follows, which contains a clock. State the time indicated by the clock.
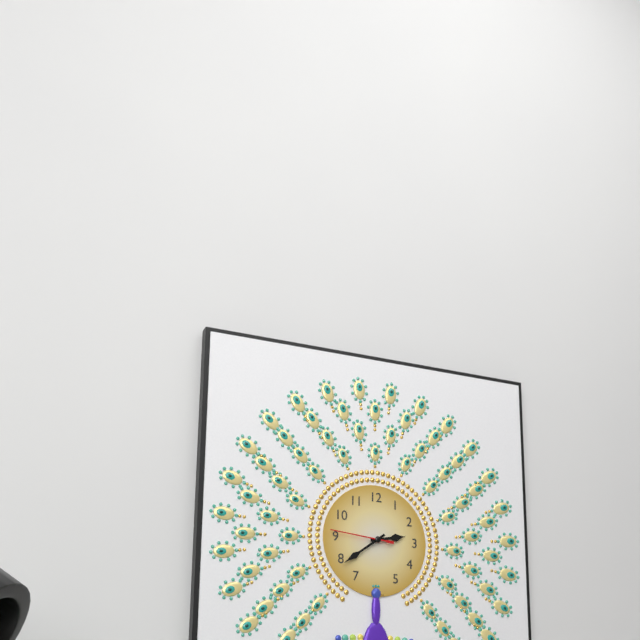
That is 2:39:46
